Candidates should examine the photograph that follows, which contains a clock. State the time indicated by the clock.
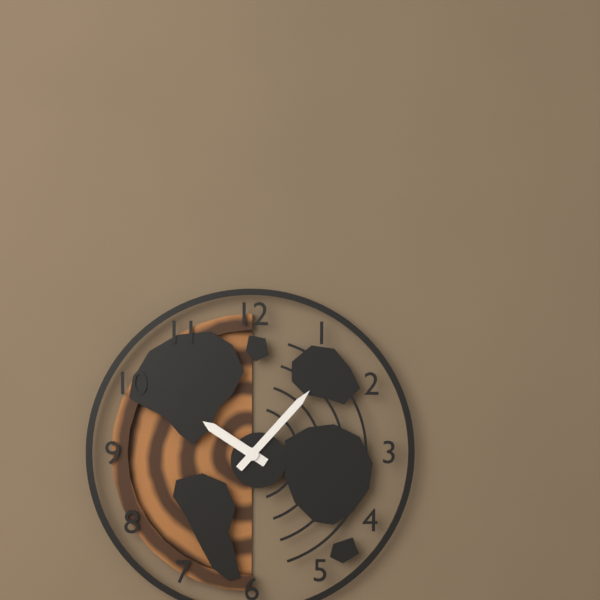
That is 10:07
